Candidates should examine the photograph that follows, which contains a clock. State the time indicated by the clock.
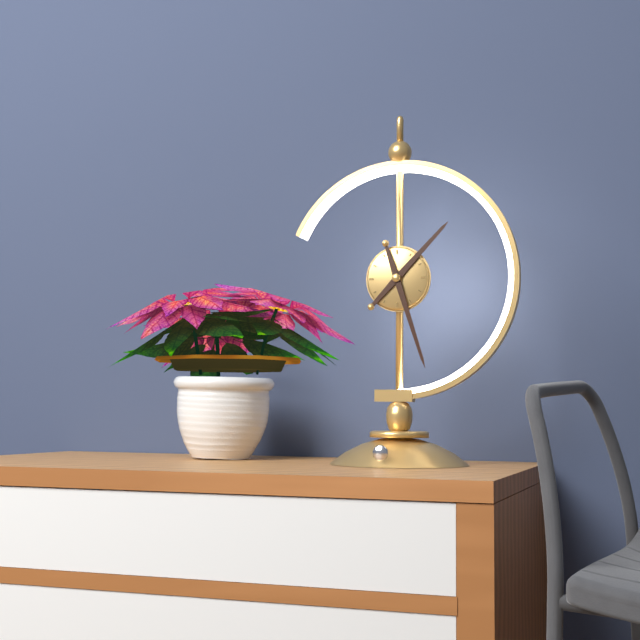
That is 1:27
